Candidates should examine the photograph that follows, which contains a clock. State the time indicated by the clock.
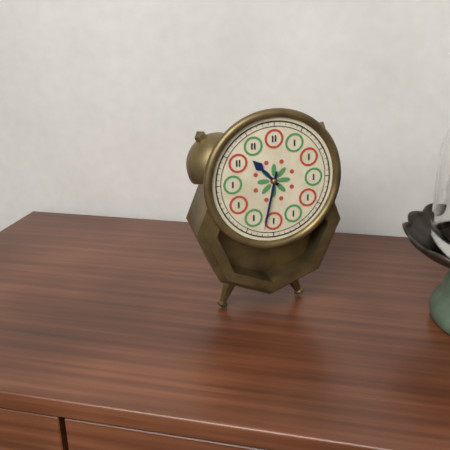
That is 10:32
